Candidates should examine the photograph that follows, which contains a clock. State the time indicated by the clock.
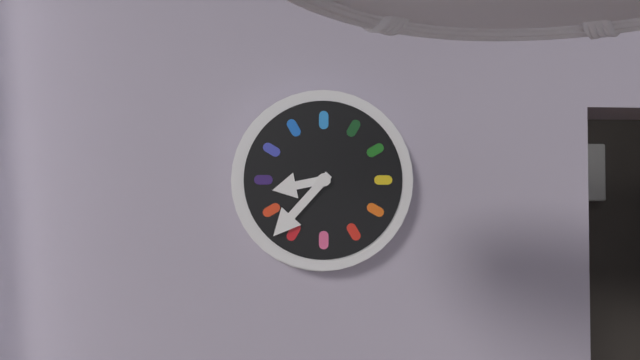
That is 8:37
